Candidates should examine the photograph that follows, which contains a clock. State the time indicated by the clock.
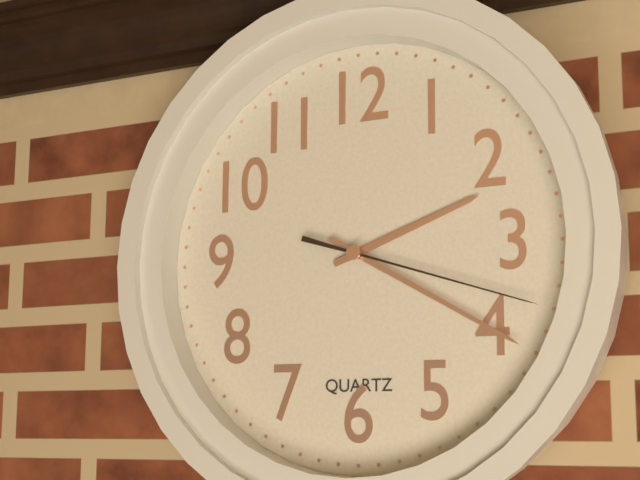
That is 2:20:18
